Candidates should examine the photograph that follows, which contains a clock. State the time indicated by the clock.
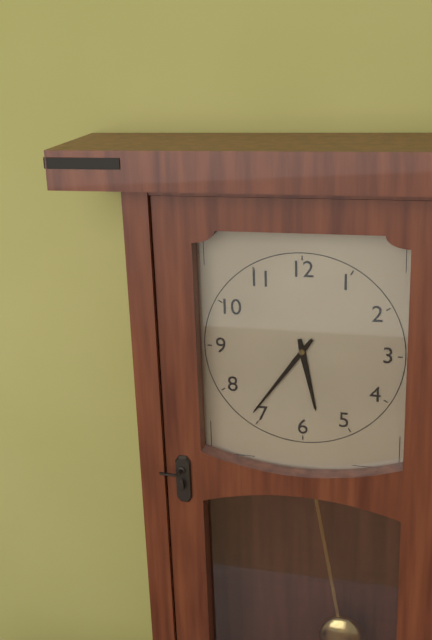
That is 5:36
